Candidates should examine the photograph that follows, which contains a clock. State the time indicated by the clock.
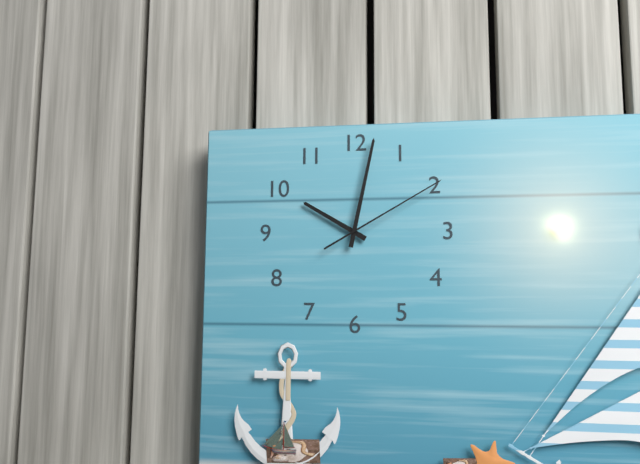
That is 10:02:10
